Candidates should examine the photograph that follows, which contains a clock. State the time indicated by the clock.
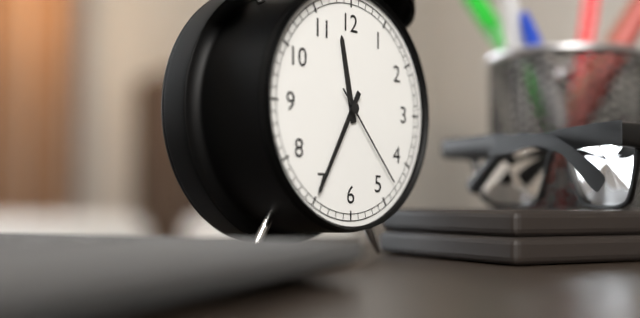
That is 11:35:23
